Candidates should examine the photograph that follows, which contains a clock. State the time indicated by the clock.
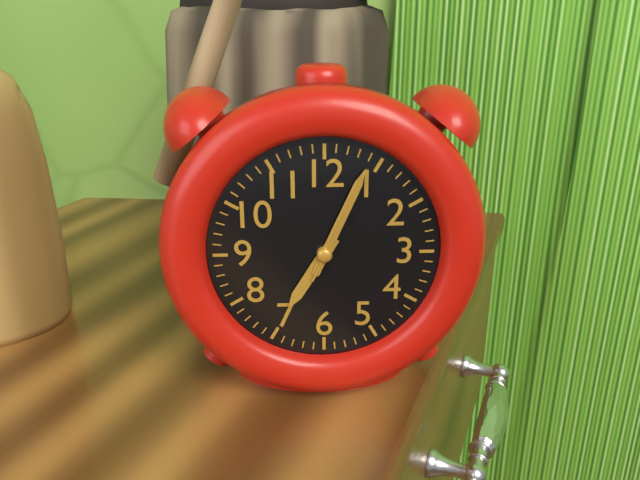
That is 7:04:04
